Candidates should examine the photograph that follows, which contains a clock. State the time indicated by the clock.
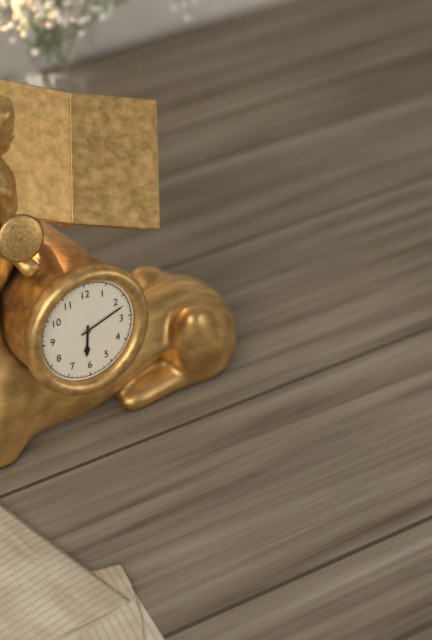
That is 6:12
